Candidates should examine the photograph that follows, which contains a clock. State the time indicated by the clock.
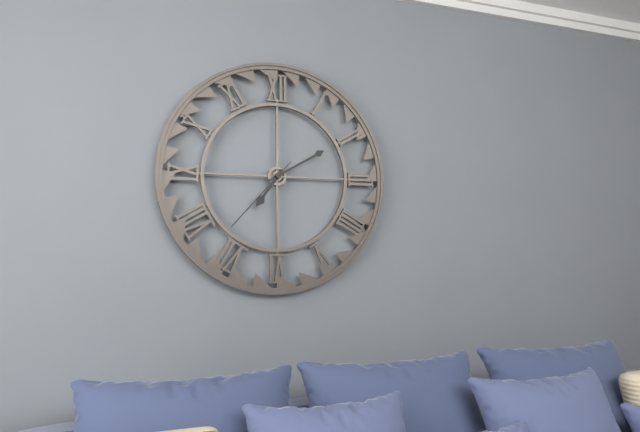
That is 7:10:37
